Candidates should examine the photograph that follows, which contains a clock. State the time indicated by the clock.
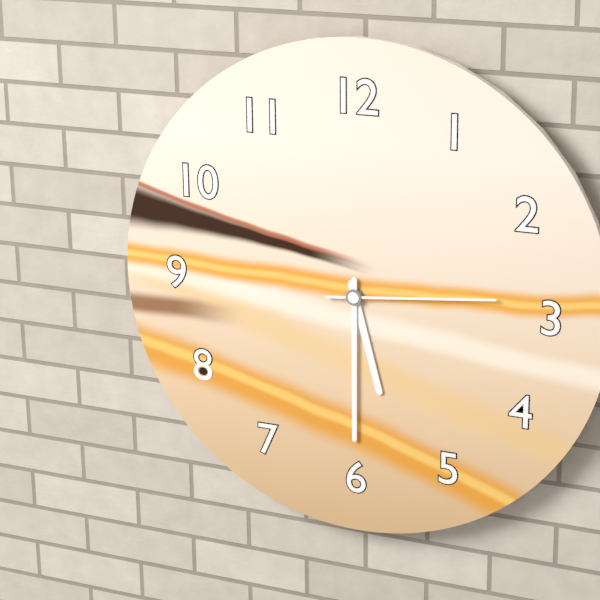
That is 5:30:14
